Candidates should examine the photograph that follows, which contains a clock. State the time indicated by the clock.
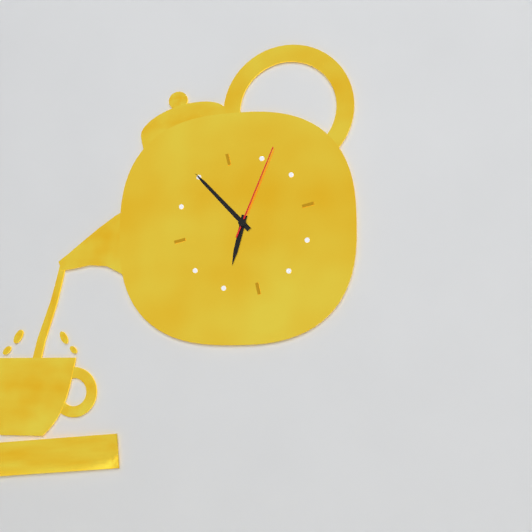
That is 6:55:06
